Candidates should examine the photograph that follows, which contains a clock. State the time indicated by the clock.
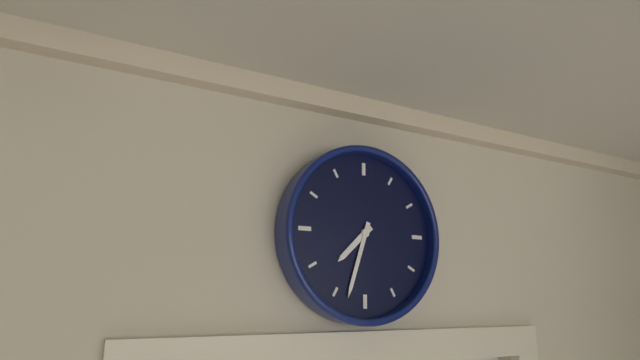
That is 7:33
